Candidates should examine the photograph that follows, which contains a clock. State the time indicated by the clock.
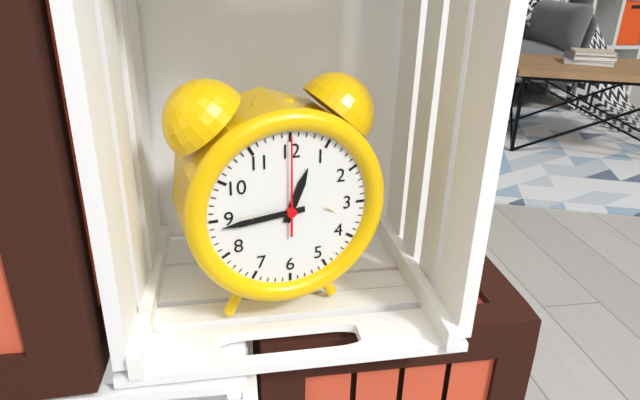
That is 12:44:00
